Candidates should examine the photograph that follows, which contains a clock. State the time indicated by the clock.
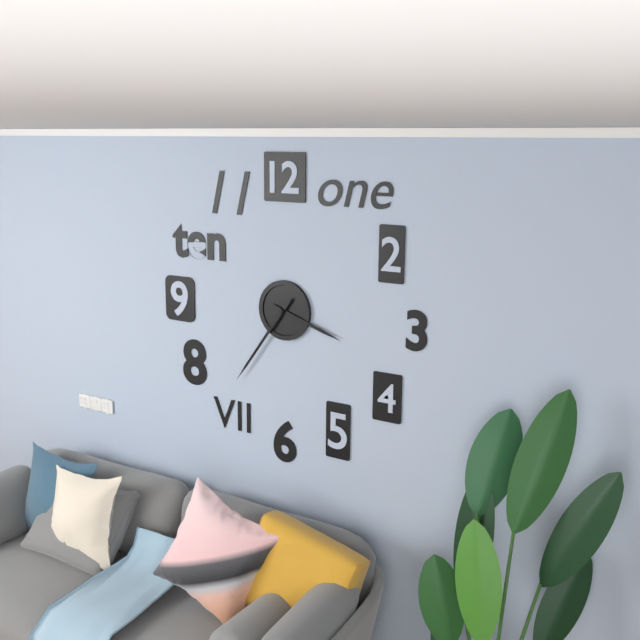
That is 3:36
